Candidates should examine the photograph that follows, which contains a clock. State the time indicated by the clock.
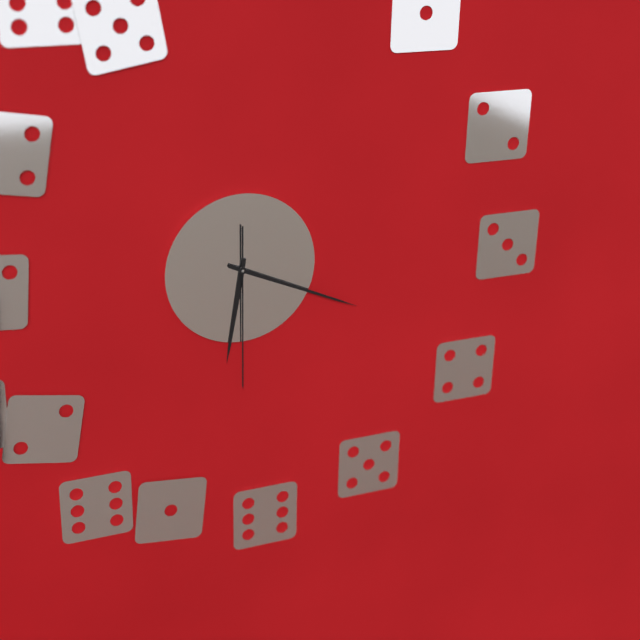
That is 6:19:30
